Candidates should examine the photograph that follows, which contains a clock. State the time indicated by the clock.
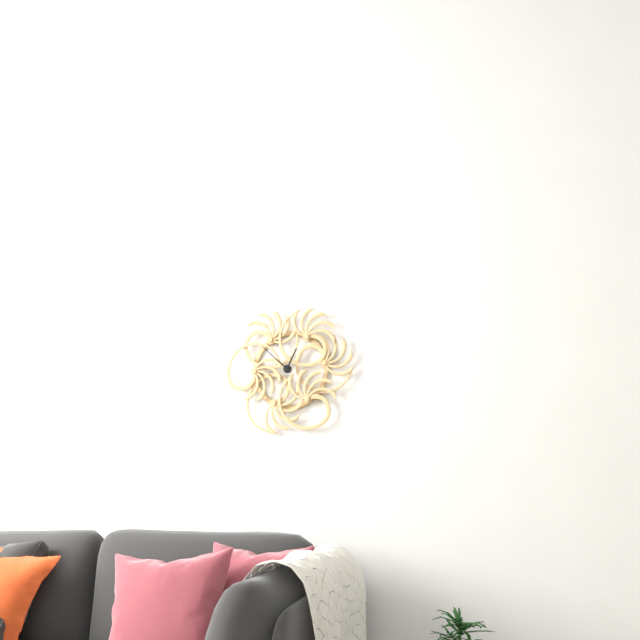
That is 12:52
